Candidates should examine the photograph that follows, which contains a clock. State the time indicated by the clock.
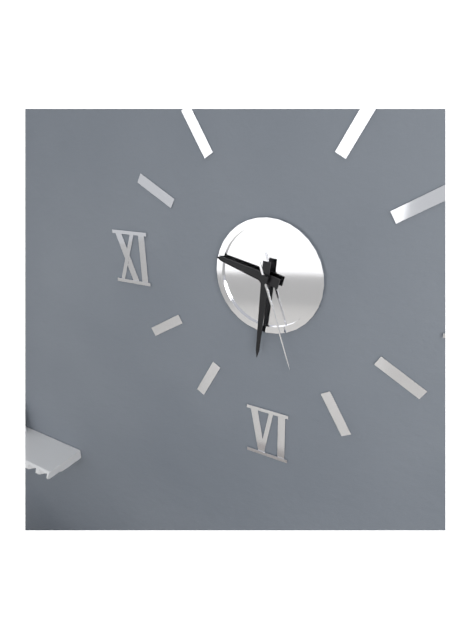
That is 9:31:27
